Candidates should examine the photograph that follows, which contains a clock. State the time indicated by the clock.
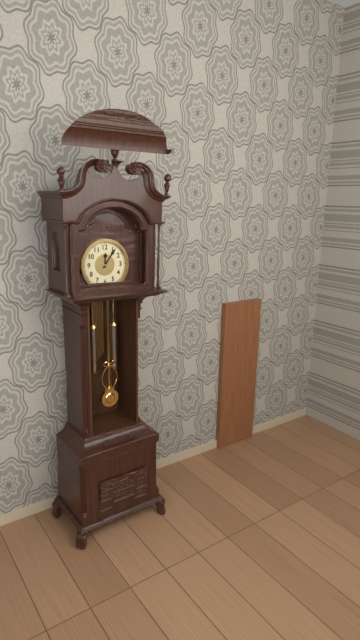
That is 12:06
